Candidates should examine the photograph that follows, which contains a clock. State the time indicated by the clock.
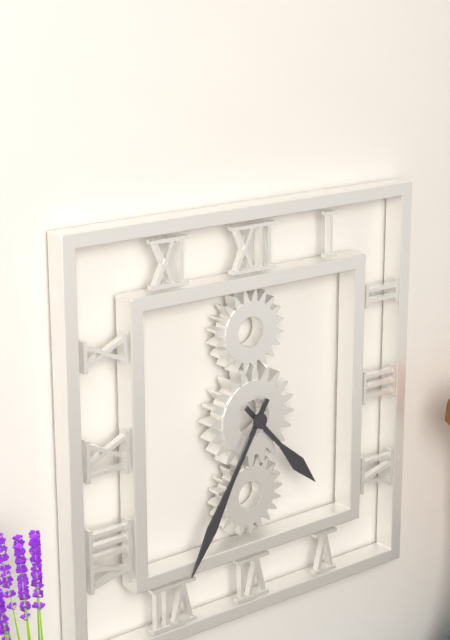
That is 4:35
